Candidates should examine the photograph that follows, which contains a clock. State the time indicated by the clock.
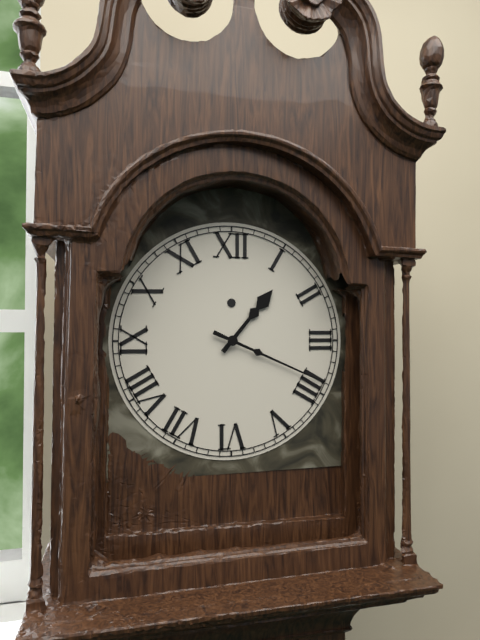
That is 1:19
